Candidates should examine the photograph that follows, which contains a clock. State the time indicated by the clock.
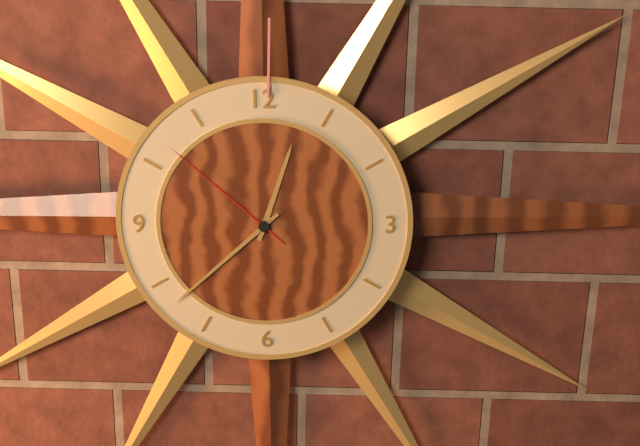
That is 12:38:52
